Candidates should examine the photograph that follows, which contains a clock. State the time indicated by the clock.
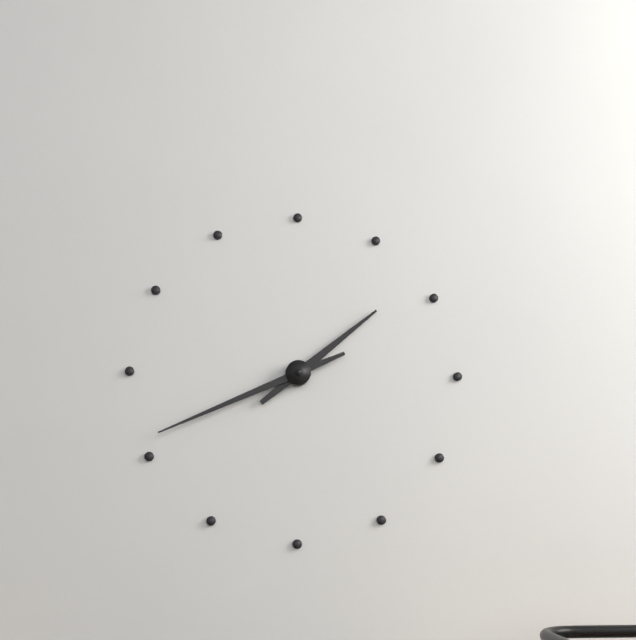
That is 1:41
